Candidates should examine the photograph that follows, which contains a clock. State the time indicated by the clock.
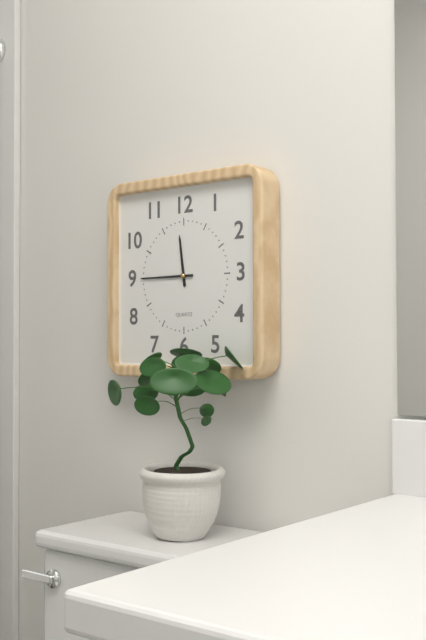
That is 11:45
